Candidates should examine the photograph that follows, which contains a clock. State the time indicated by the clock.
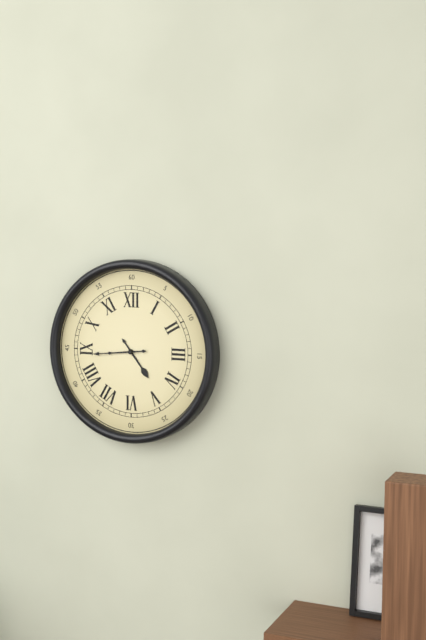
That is 4:44
